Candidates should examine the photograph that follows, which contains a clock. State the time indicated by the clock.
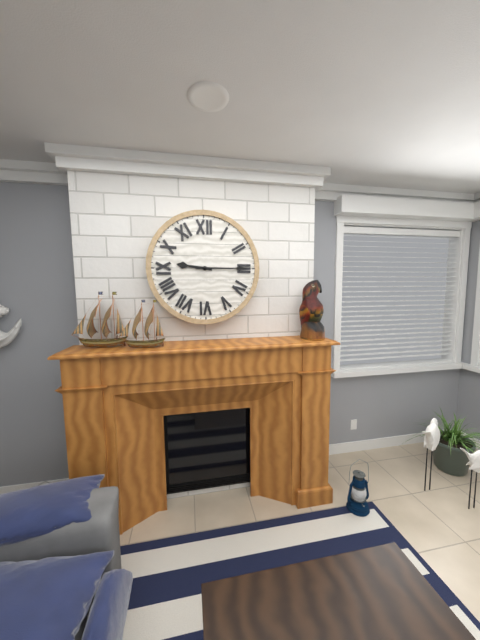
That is 9:15
